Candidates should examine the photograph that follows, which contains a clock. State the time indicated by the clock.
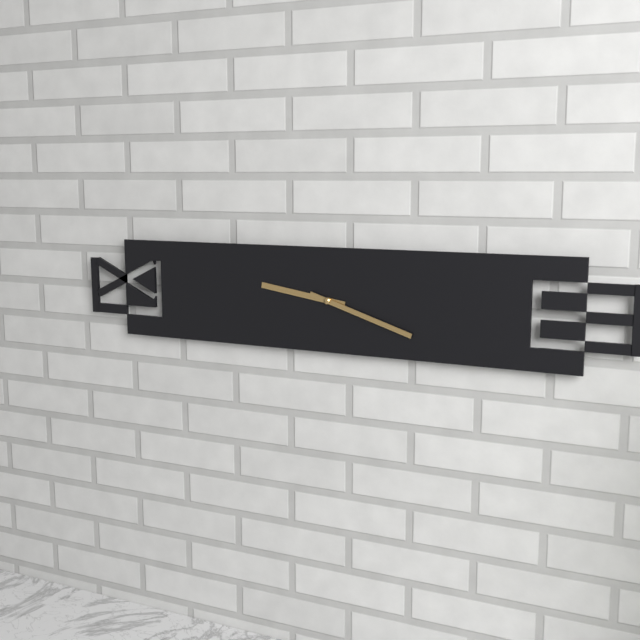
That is 9:18
